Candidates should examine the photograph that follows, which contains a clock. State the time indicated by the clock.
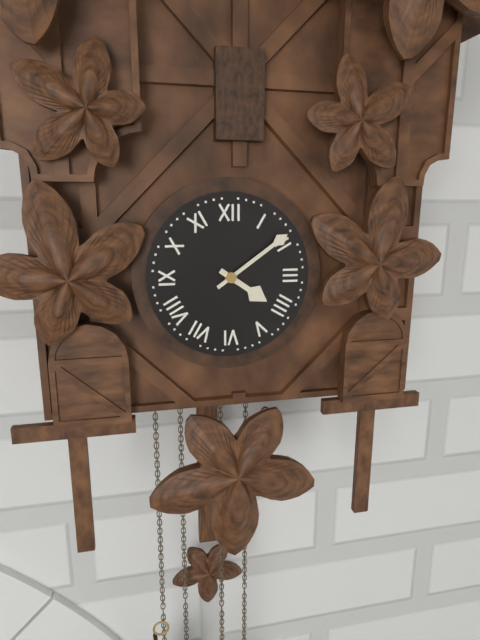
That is 4:09
